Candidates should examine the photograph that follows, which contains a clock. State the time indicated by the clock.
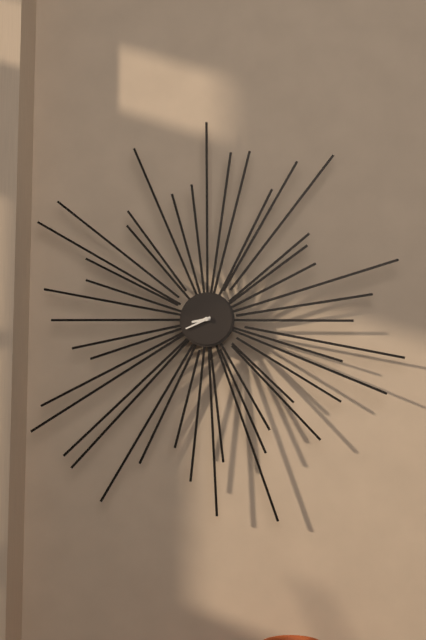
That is 8:41
